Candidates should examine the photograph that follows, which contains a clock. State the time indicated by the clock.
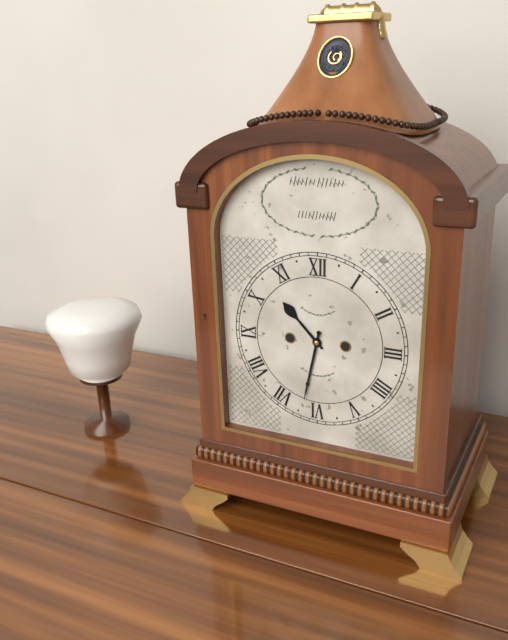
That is 10:32
